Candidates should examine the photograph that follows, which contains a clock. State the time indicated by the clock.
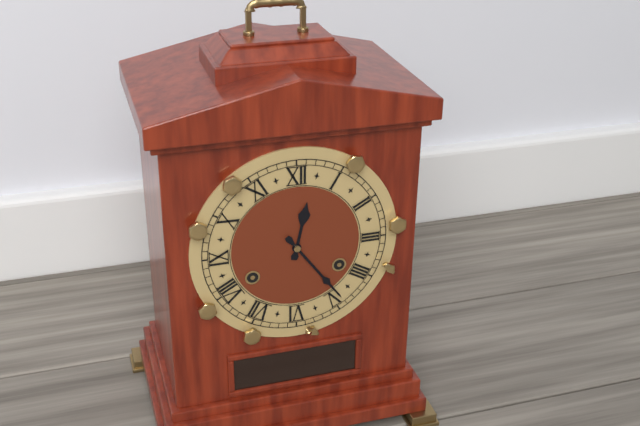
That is 12:24
